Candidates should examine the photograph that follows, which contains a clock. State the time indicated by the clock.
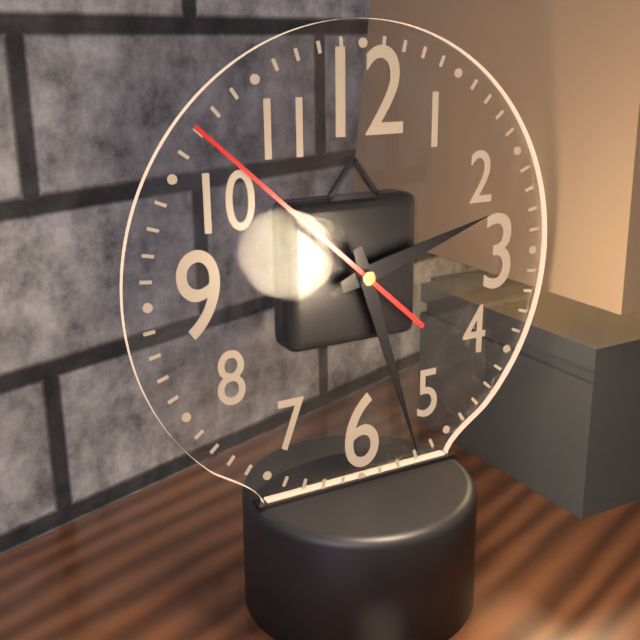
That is 2:27:52
